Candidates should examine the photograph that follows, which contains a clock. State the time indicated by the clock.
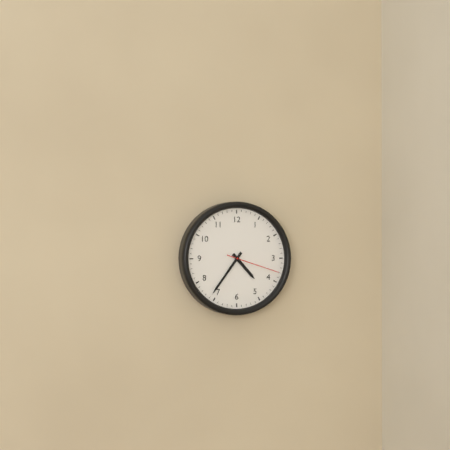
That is 4:36:18
